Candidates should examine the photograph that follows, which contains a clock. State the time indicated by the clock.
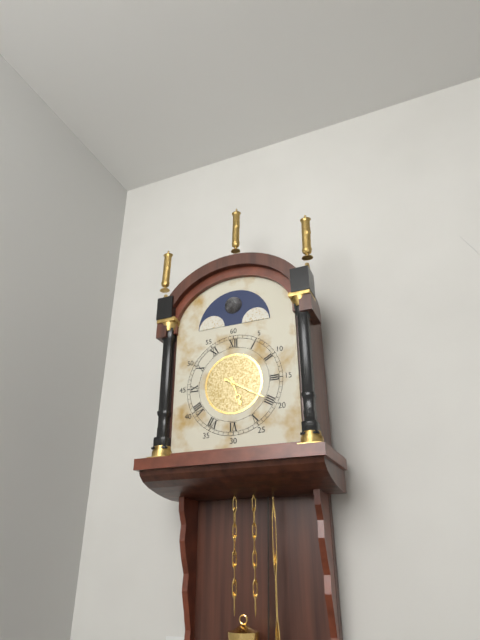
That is 5:20
